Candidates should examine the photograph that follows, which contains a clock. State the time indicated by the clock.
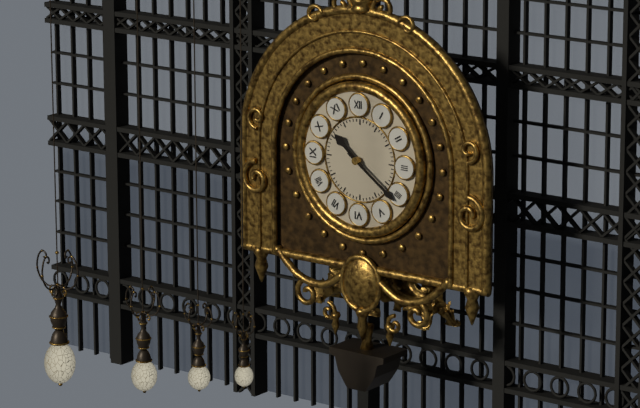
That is 10:21
